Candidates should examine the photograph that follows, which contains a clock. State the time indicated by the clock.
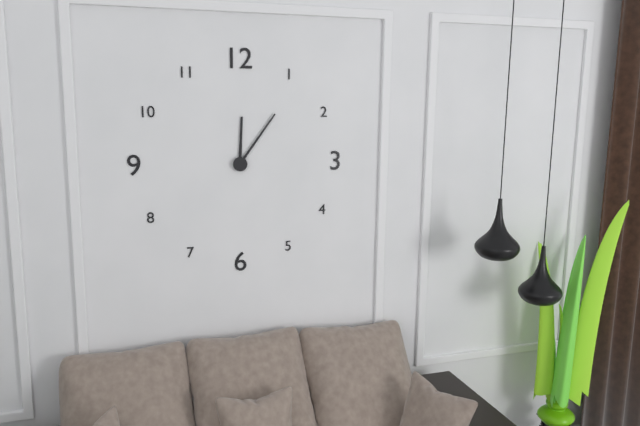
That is 12:06
